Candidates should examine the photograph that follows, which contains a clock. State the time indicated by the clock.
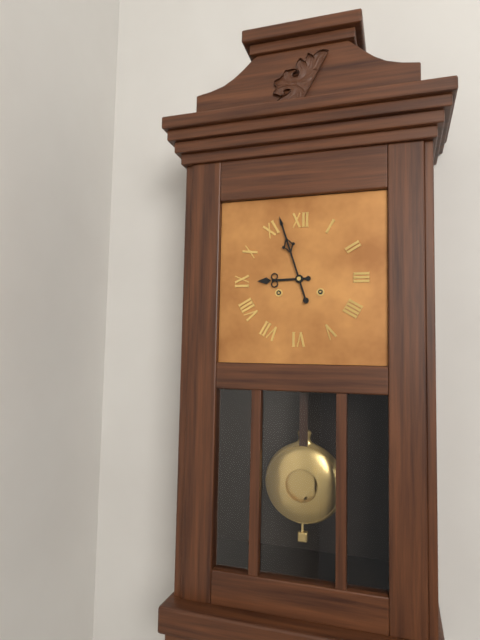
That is 8:57
